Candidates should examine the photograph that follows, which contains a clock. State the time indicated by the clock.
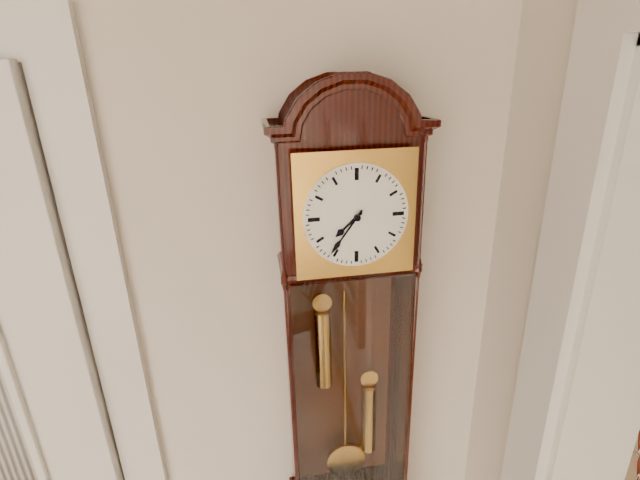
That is 7:36
